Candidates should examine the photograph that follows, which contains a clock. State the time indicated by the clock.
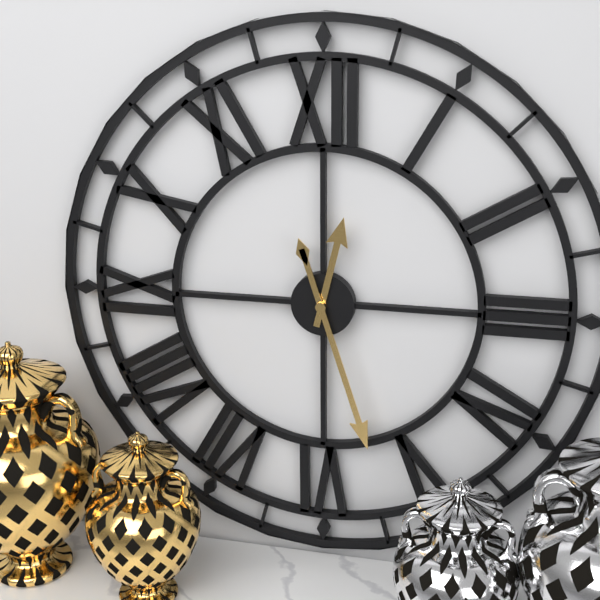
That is 12:27
